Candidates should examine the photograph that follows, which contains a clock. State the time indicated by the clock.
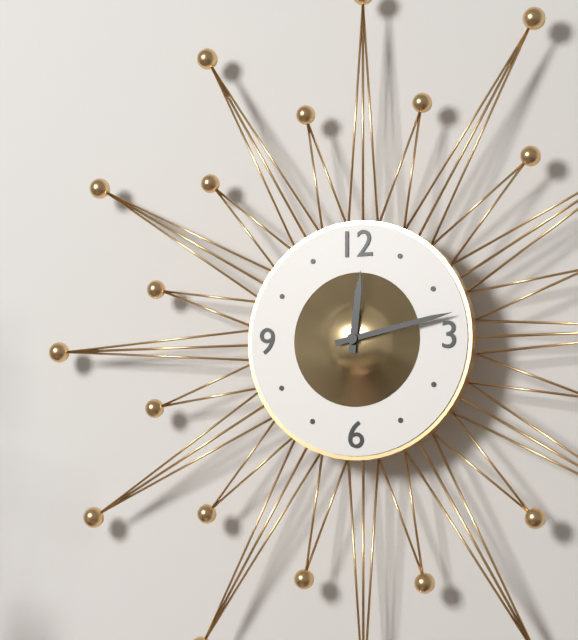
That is 12:13
